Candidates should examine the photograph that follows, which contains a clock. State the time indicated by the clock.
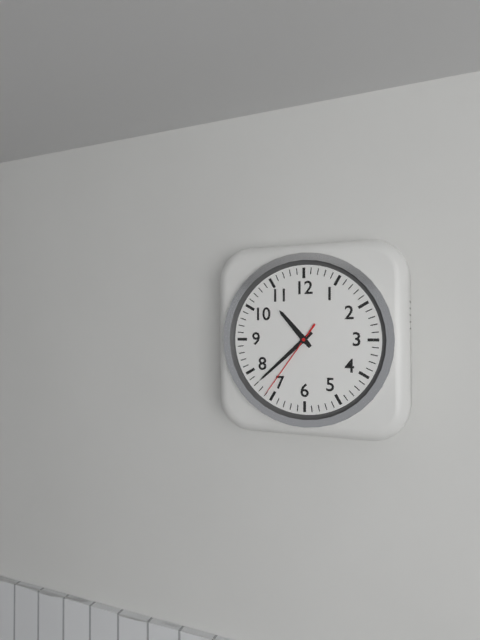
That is 10:38:36
